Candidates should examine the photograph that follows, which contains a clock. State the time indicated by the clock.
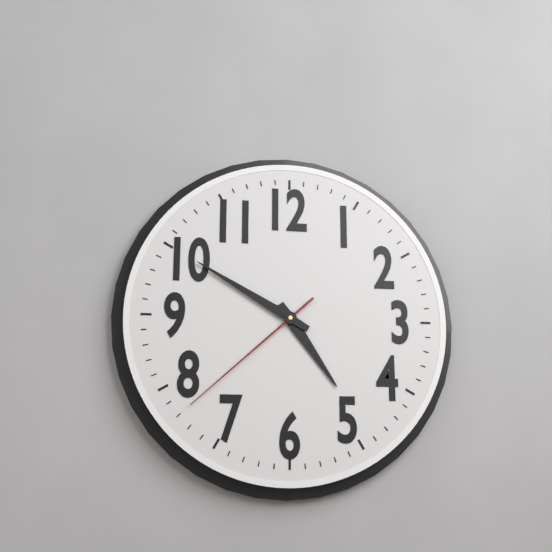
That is 4:50:38
